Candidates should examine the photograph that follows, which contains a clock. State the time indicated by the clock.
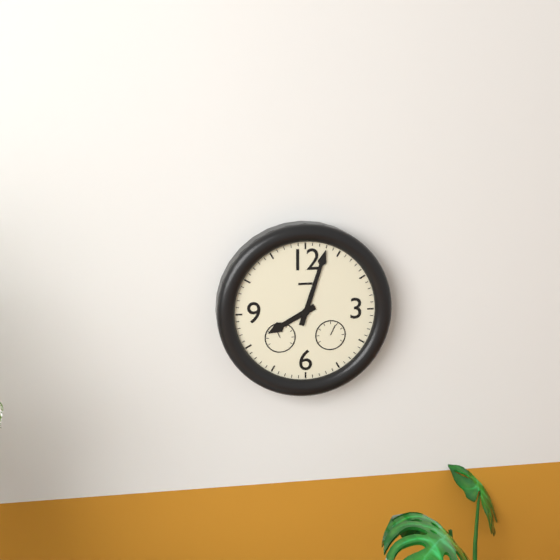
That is 8:03
